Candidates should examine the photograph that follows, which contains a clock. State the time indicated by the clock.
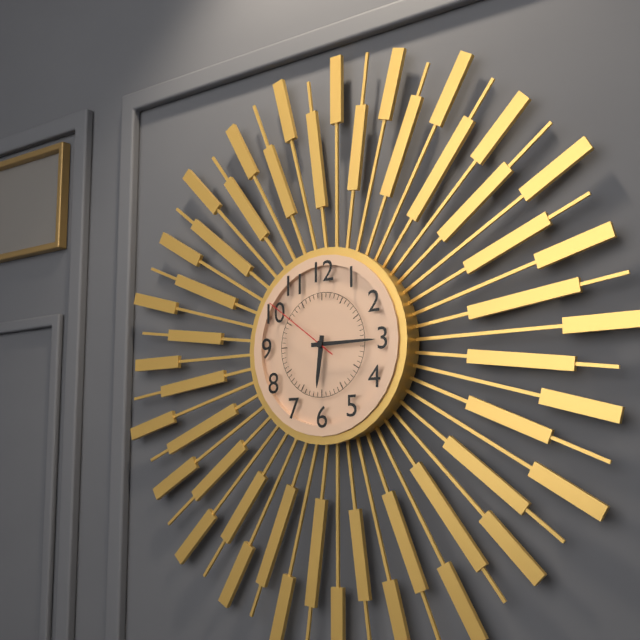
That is 6:15:51
